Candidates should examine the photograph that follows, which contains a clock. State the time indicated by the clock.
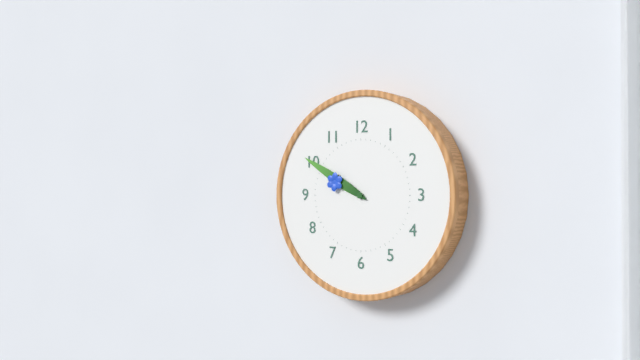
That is 9:50
